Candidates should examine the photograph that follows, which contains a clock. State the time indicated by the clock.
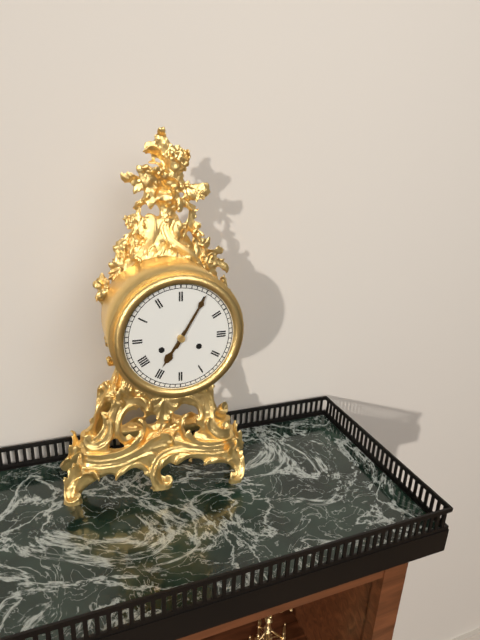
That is 7:05
